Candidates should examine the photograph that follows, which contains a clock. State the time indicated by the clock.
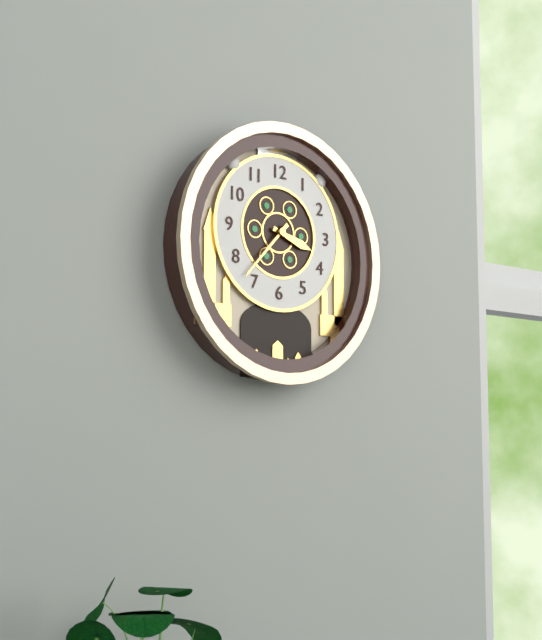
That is 3:37
